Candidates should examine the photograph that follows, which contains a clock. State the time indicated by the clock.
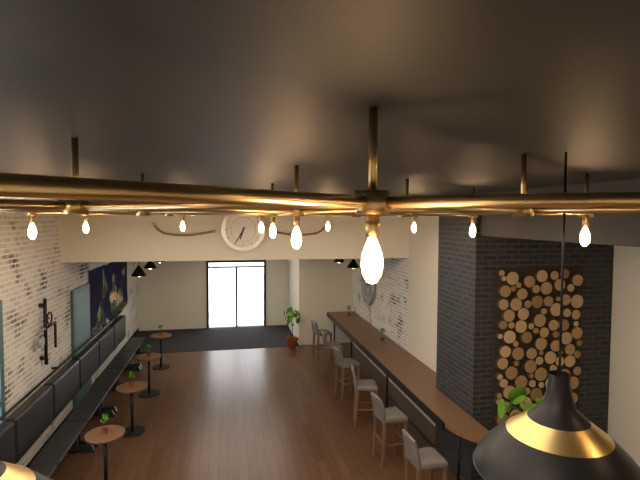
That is 6:35
